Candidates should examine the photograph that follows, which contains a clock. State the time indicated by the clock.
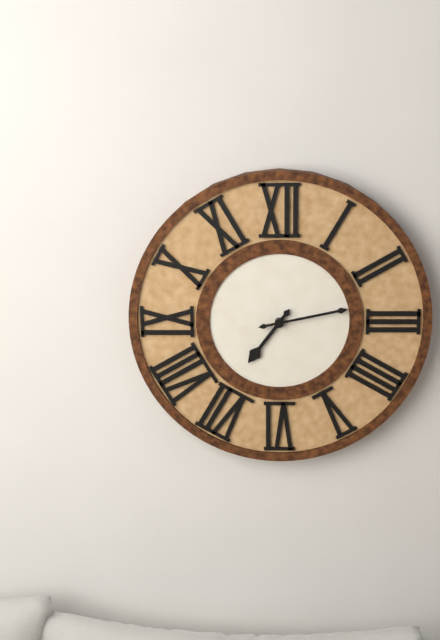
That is 7:13
